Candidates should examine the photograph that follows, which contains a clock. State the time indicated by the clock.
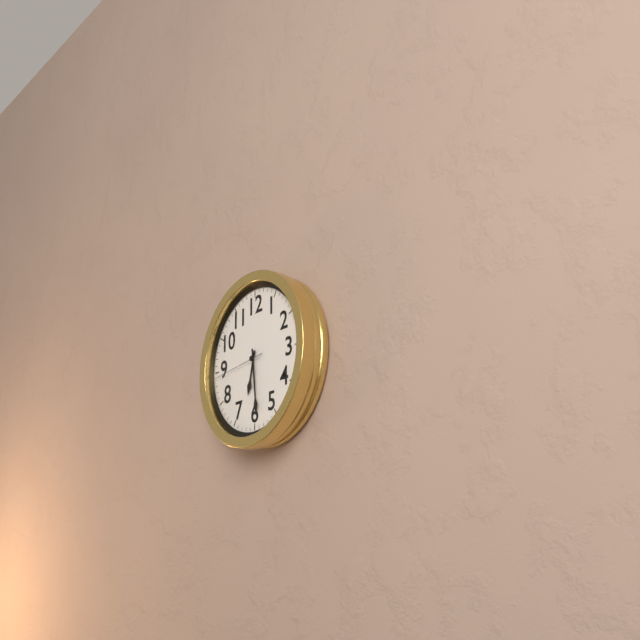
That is 6:29:44
